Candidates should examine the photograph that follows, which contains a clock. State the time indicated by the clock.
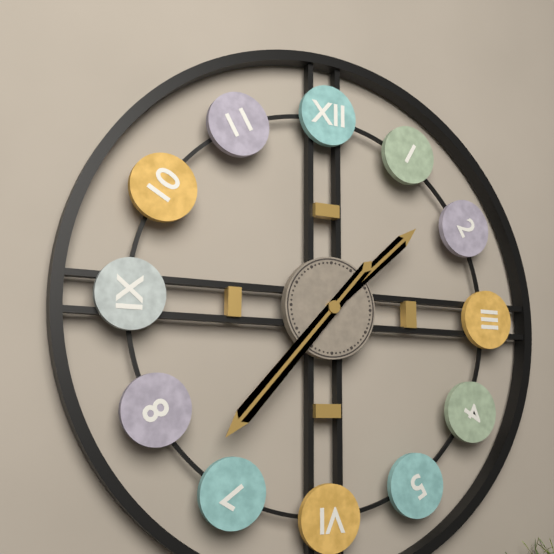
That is 1:37
